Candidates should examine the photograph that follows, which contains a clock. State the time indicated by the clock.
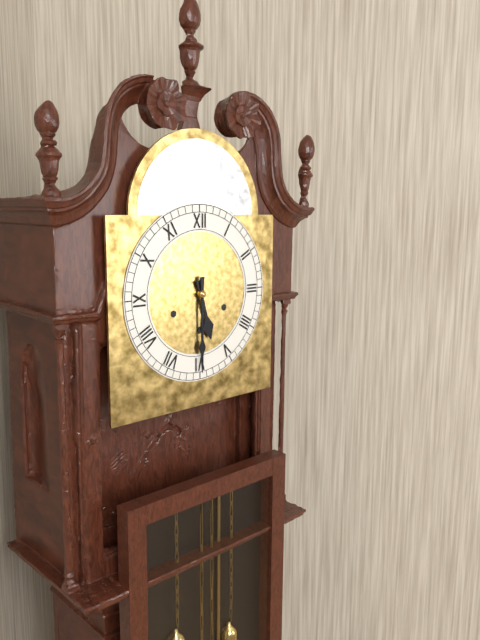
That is 5:30
